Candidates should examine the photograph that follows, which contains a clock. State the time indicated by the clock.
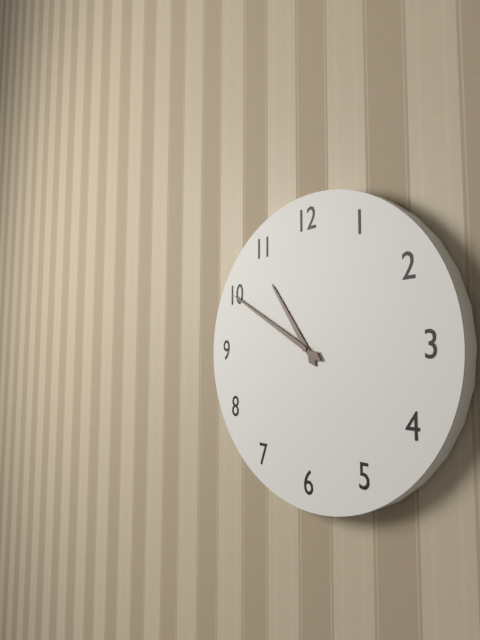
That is 10:50
